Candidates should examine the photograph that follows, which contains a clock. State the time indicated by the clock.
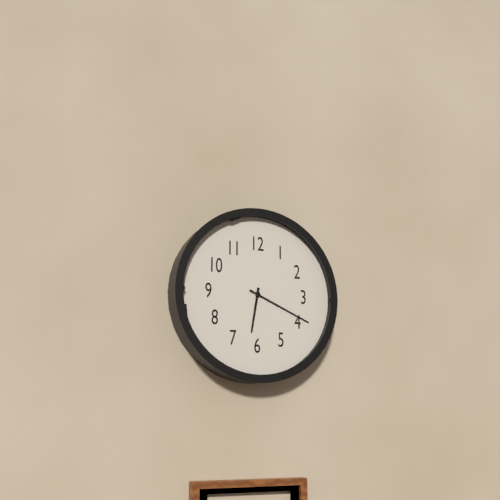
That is 6:19
